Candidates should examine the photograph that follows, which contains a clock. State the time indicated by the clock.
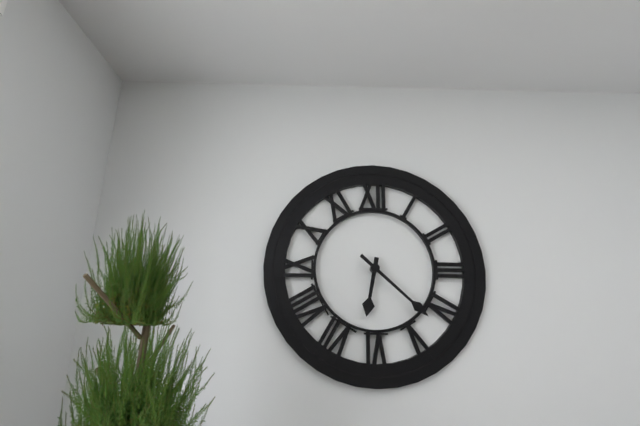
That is 6:22
